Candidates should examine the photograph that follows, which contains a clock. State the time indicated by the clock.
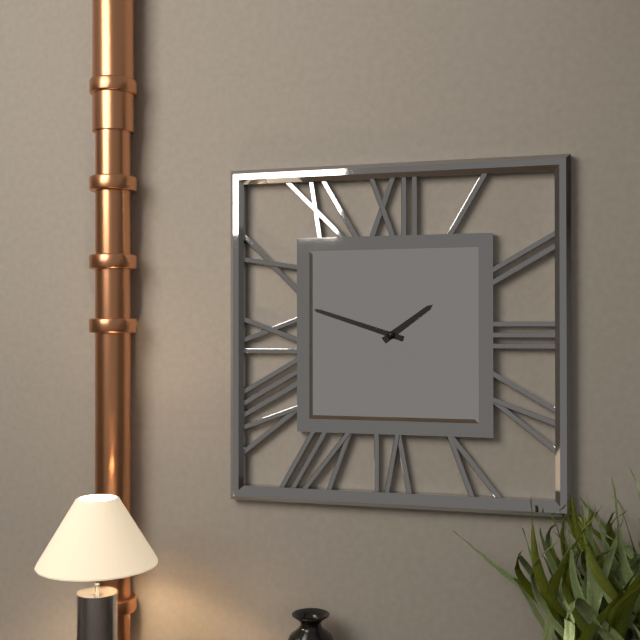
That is 1:48
